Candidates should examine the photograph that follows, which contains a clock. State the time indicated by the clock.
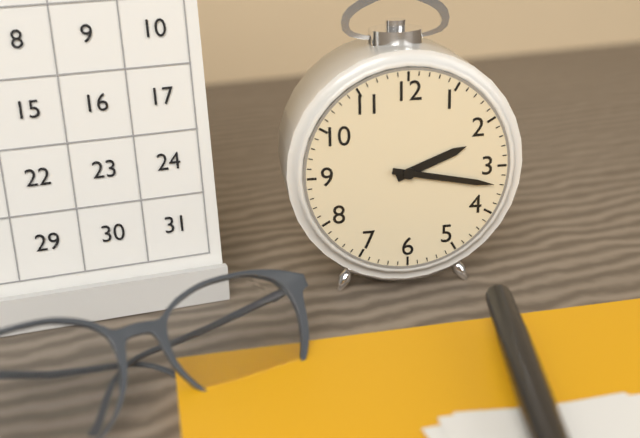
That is 2:17
